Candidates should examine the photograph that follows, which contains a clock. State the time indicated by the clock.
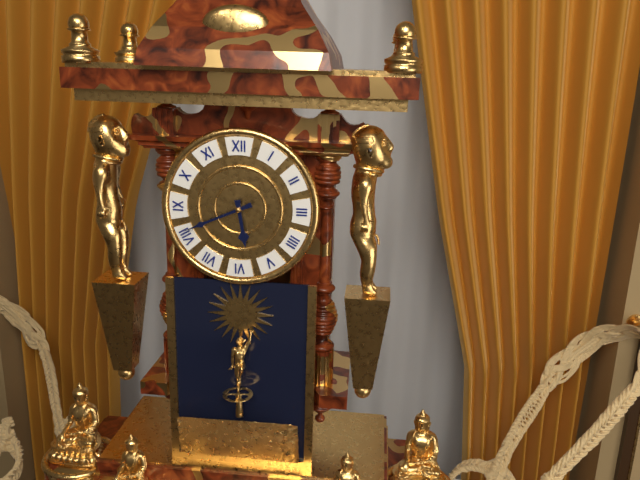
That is 5:41
